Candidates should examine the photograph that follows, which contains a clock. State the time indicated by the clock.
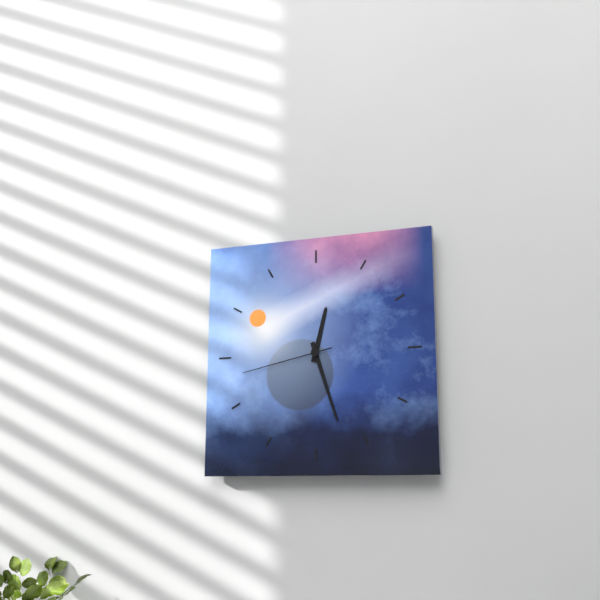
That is 12:27:43
